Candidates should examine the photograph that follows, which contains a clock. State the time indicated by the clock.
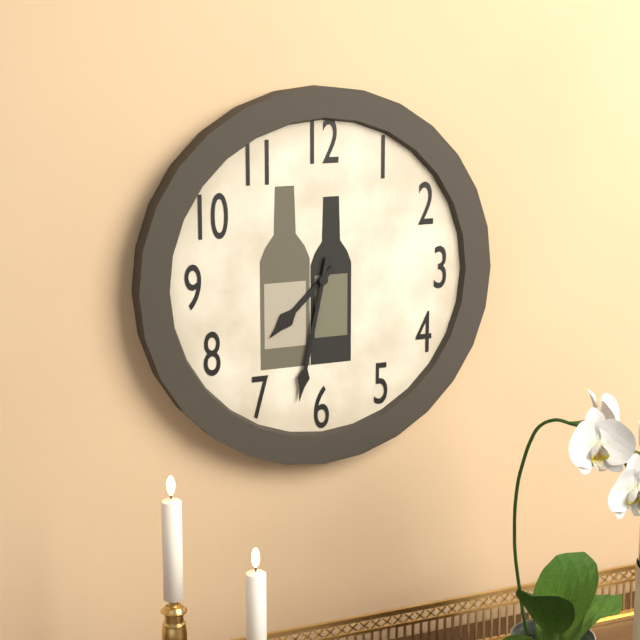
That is 7:32
